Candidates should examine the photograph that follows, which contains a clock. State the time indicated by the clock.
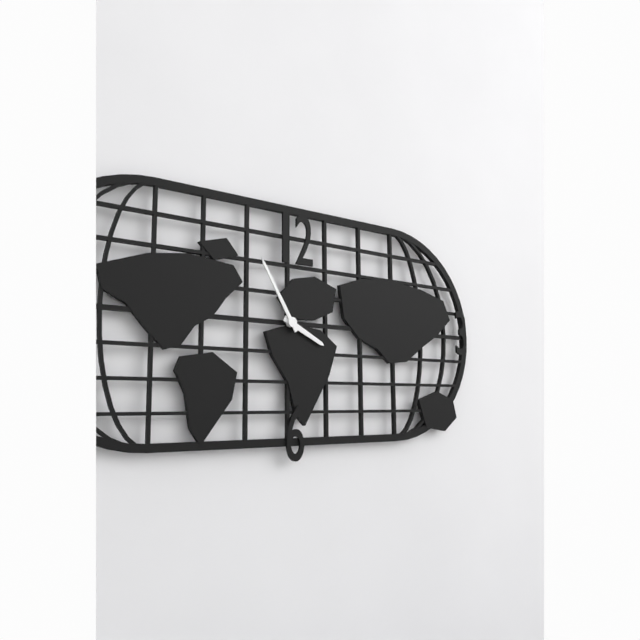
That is 3:55
